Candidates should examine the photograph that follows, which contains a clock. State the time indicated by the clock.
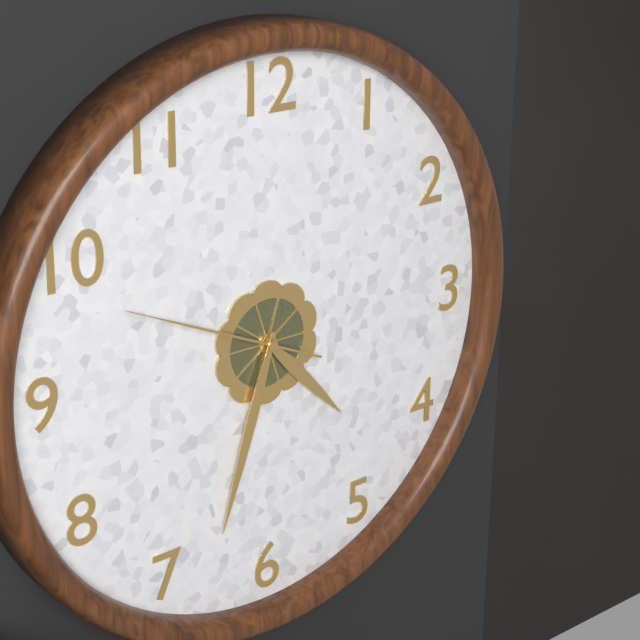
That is 4:33:49
